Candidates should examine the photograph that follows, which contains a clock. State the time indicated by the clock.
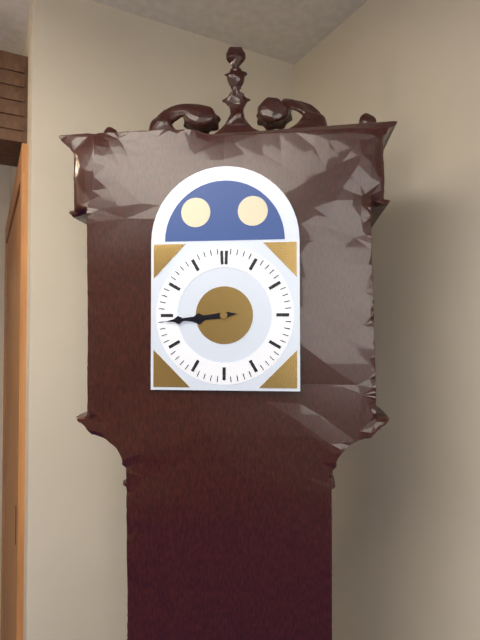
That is 8:44
